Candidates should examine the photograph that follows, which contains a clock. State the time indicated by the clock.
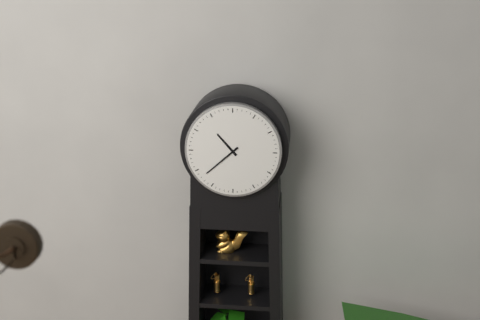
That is 10:38
